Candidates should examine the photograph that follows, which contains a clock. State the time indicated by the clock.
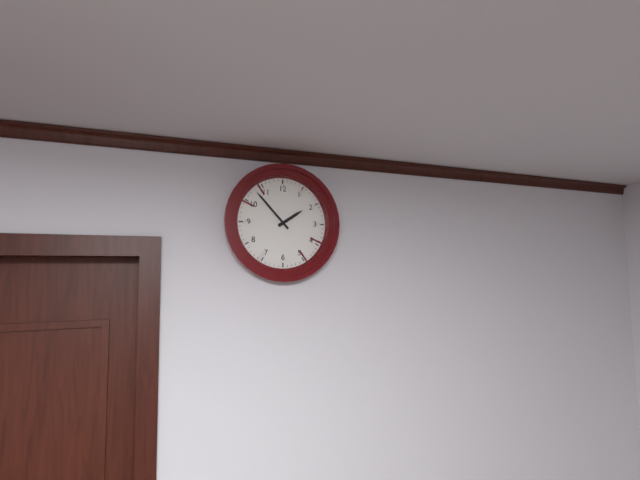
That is 1:53
